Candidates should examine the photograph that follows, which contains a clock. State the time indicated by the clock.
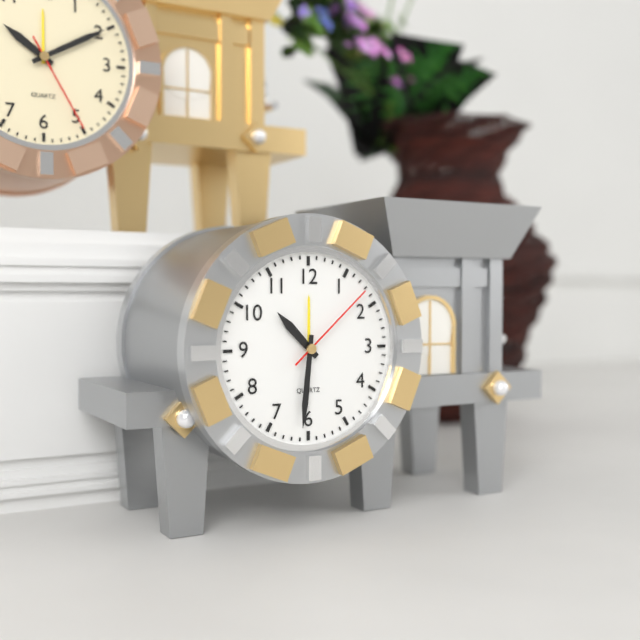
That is 10:31:08
